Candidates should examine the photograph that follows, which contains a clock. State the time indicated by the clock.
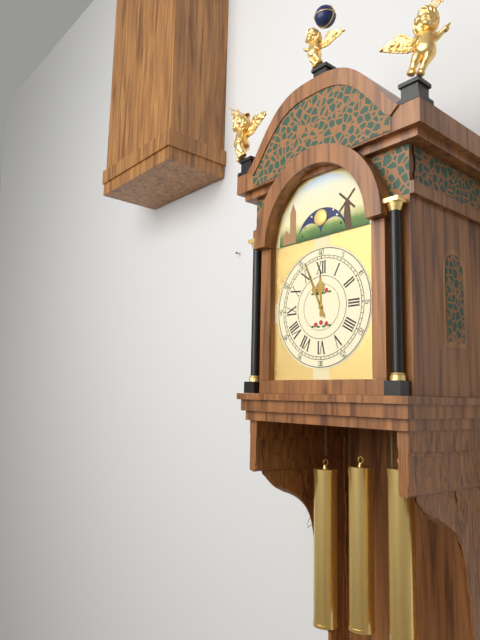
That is 11:56
